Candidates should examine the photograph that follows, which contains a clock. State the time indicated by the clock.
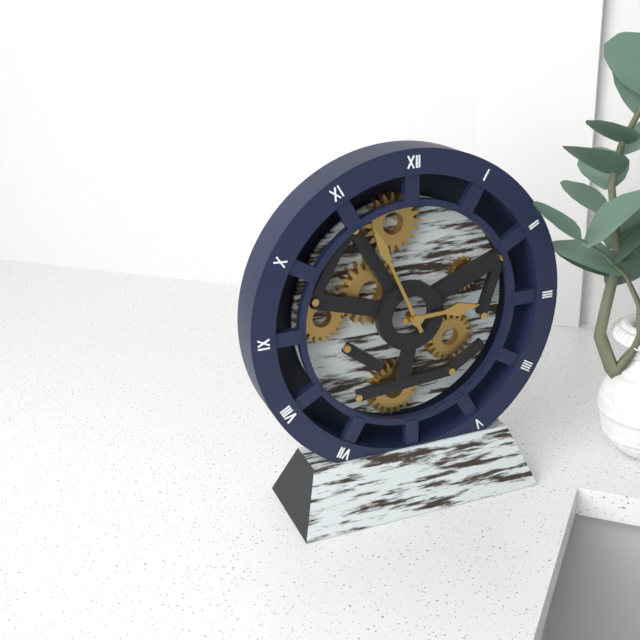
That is 2:56
